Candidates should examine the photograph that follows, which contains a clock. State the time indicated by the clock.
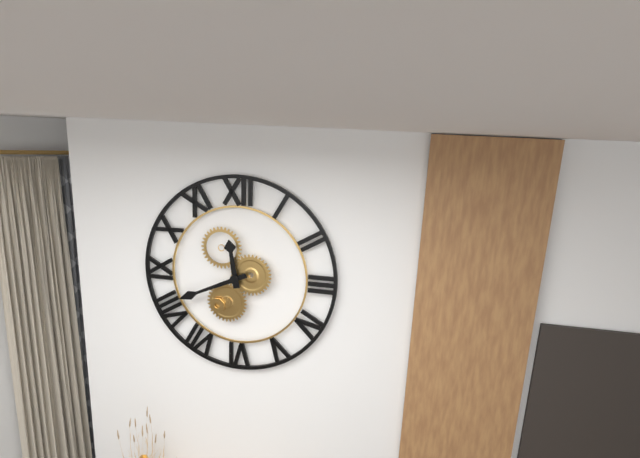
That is 11:41
